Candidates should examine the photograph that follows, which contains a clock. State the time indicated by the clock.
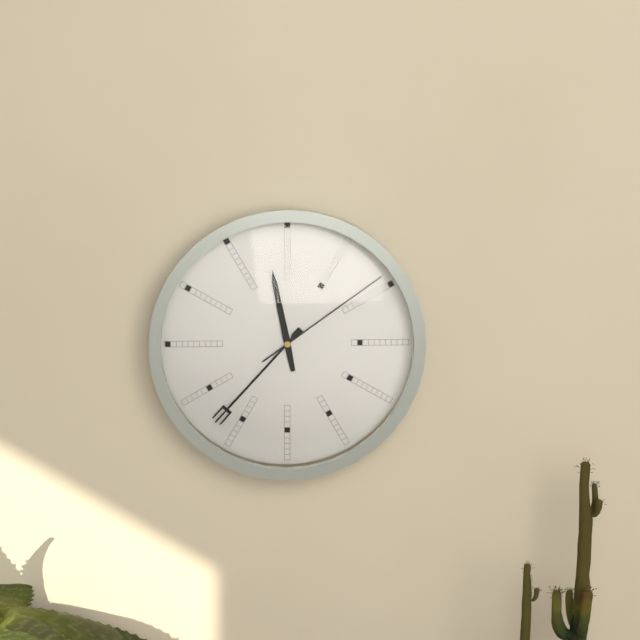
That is 11:37:09
